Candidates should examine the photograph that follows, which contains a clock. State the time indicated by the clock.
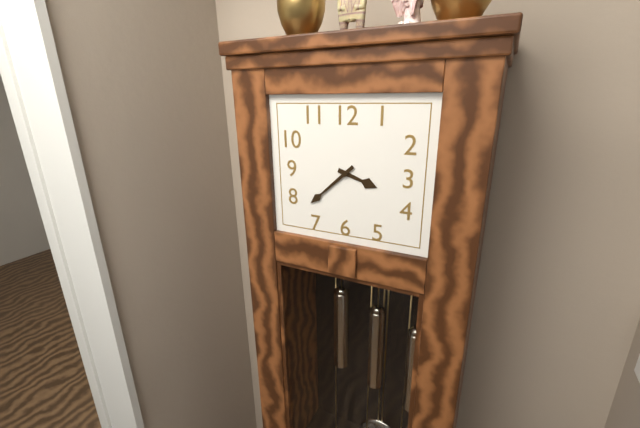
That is 3:38
